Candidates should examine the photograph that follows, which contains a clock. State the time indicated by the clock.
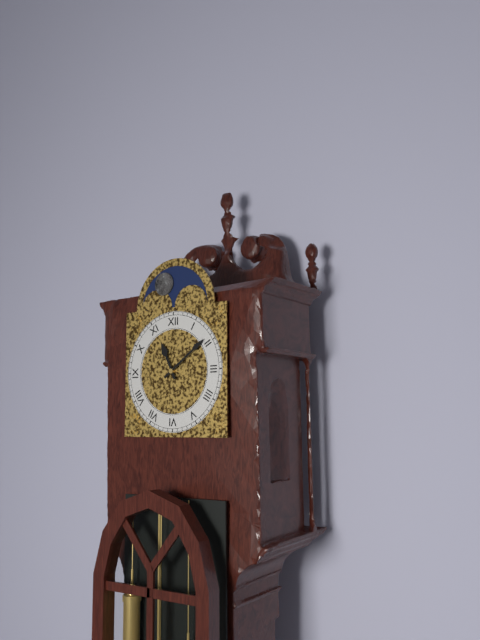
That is 11:09
